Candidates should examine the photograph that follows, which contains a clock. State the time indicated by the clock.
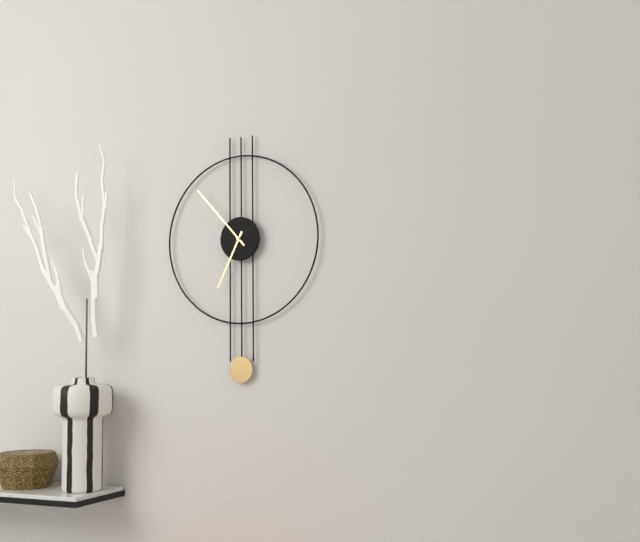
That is 6:53
